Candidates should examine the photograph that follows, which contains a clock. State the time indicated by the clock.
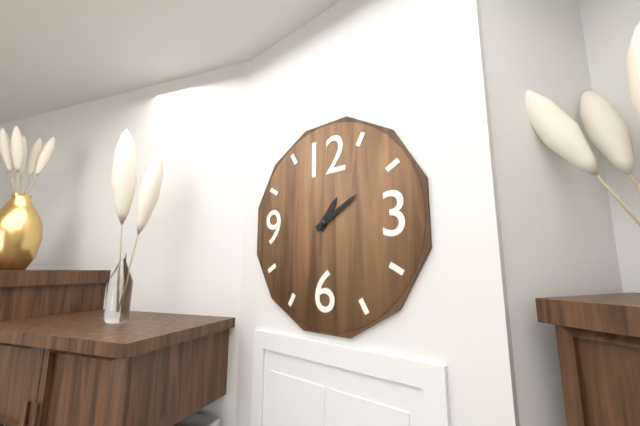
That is 1:10
